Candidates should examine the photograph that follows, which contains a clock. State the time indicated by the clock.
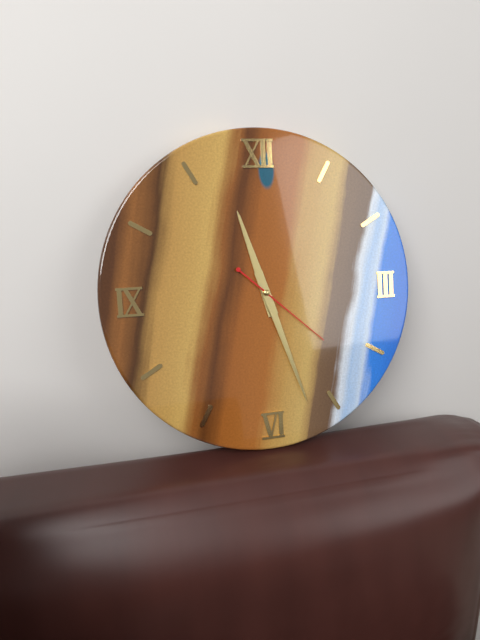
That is 11:27:22
